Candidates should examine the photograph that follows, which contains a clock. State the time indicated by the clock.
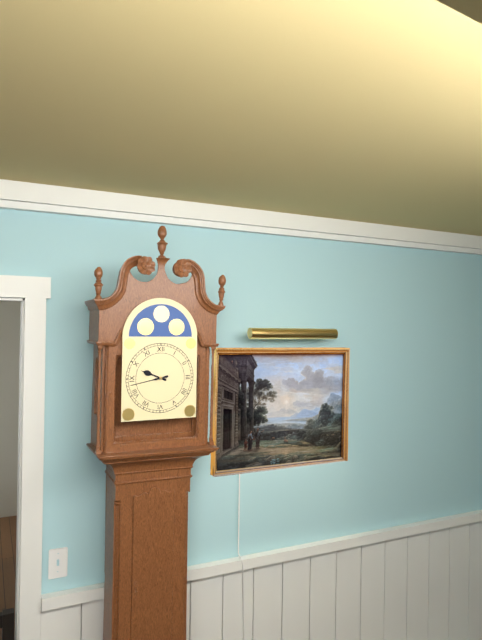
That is 9:43
